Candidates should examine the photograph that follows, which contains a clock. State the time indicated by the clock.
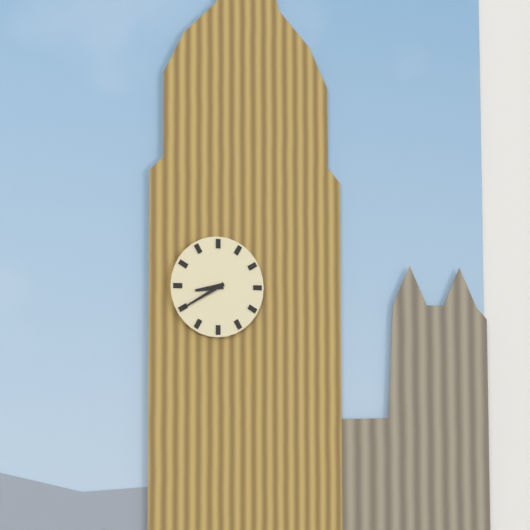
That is 8:40
